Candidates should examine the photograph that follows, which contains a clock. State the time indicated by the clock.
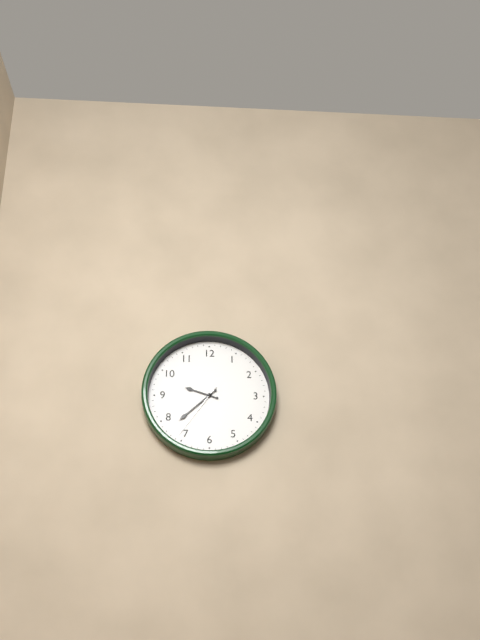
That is 9:38:36
